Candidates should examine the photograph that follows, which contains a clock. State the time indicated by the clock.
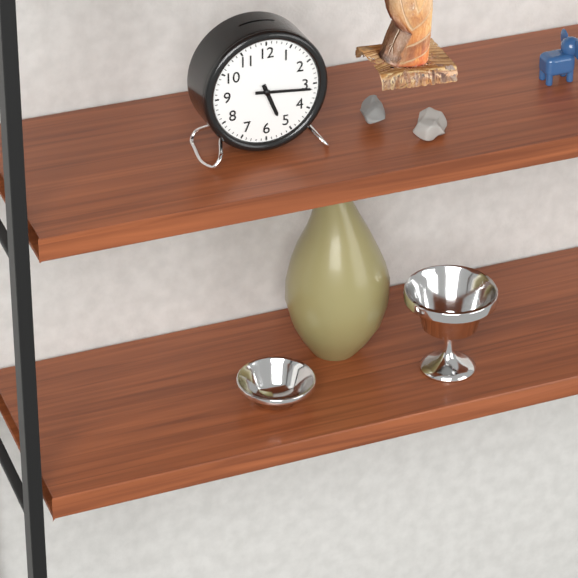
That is 5:16
